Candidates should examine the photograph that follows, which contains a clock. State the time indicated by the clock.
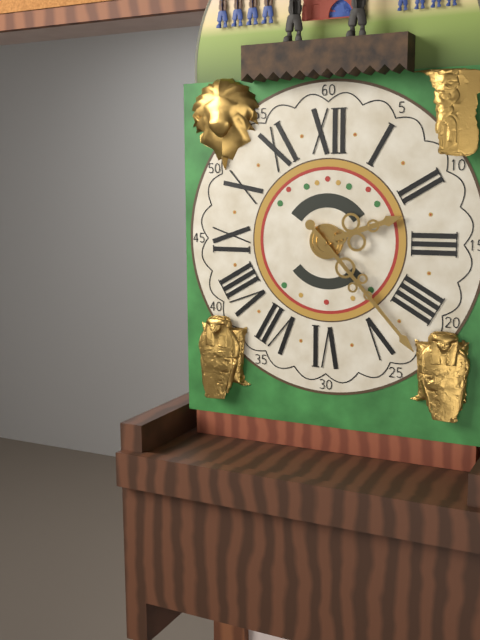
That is 2:23
